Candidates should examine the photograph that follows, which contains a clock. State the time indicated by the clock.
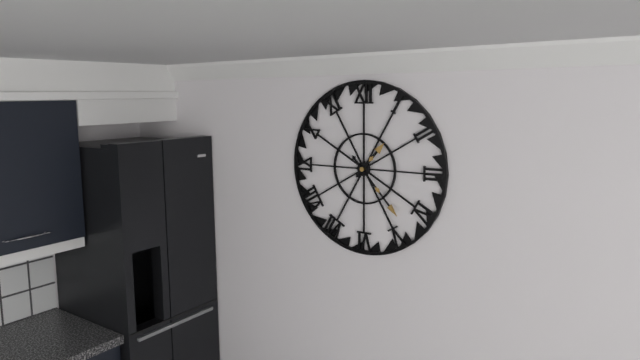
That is 1:23
